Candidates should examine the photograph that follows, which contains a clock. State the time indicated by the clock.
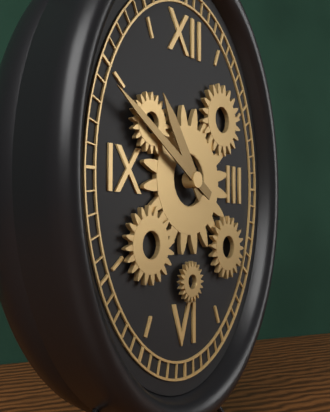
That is 10:50
